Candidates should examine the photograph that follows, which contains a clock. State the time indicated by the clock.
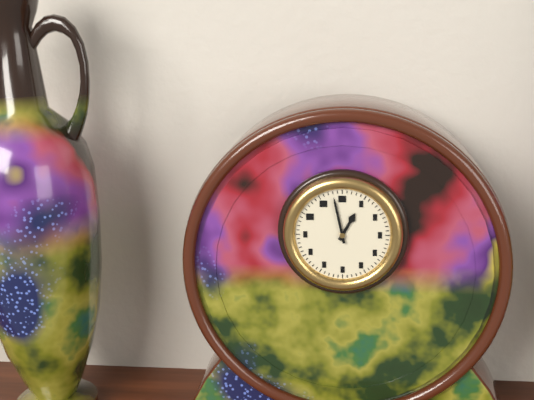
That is 12:58
